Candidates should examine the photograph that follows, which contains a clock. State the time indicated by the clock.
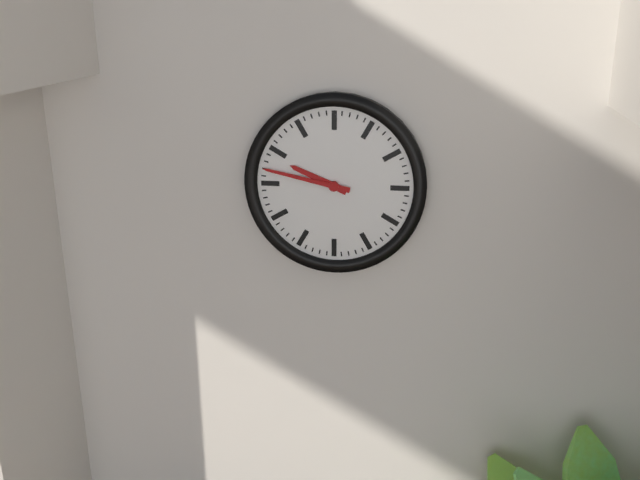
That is 9:47
